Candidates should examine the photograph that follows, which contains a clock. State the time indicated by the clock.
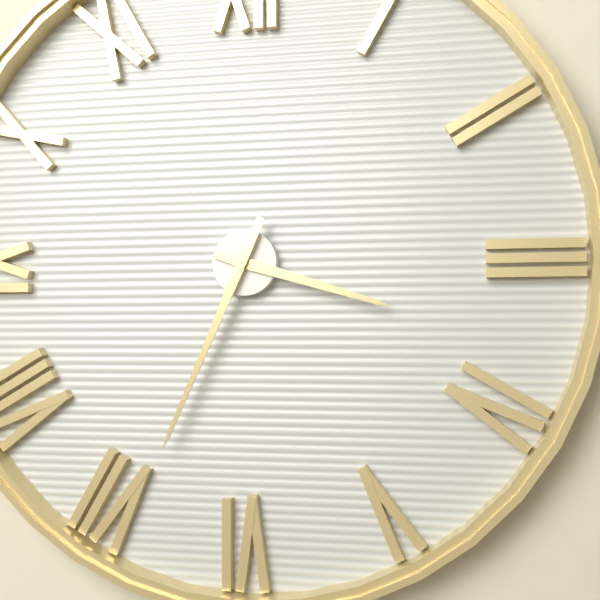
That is 3:34
